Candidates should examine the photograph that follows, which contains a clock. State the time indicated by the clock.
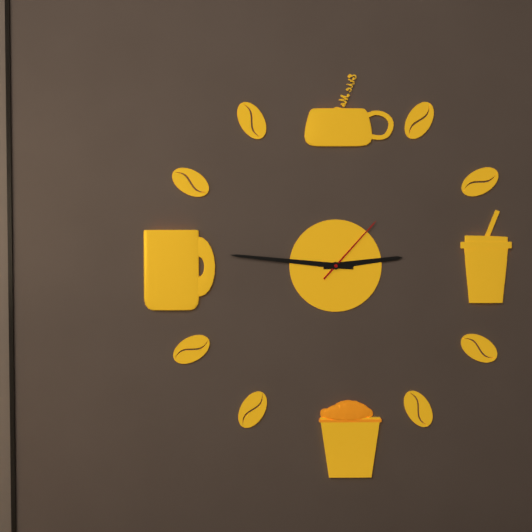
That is 2:46:07
